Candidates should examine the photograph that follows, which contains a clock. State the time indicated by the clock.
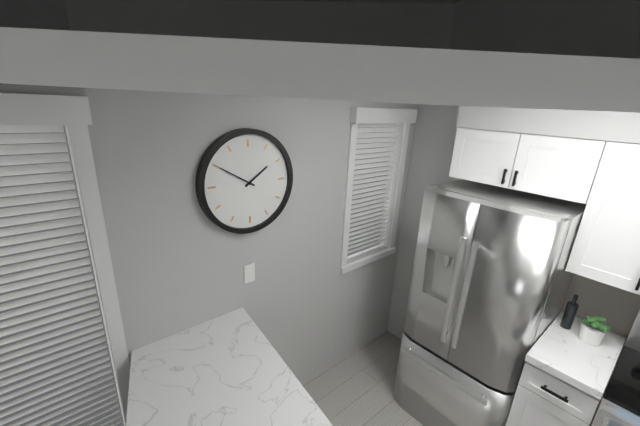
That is 1:50
